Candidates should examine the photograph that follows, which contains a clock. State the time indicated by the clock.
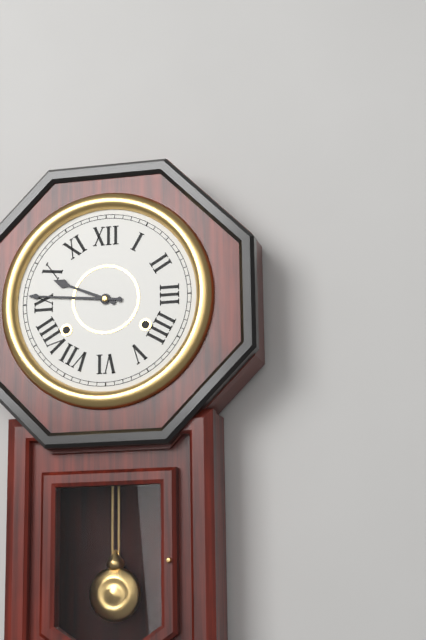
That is 9:46
